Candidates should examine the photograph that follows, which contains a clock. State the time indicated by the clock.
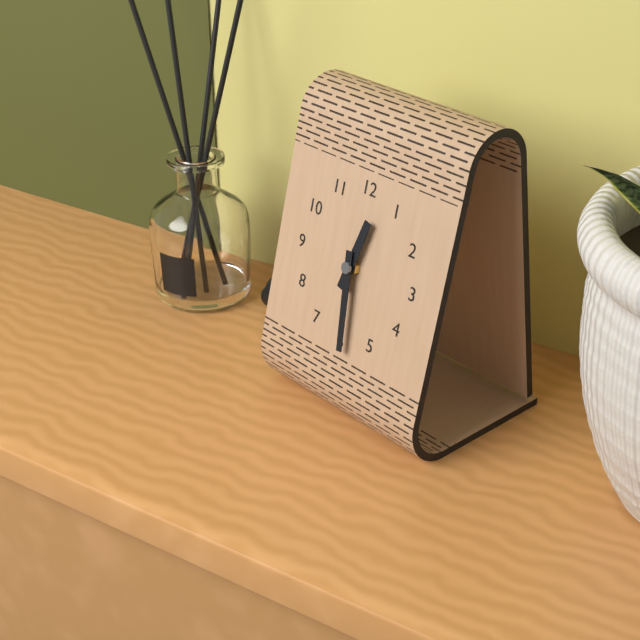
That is 12:29
